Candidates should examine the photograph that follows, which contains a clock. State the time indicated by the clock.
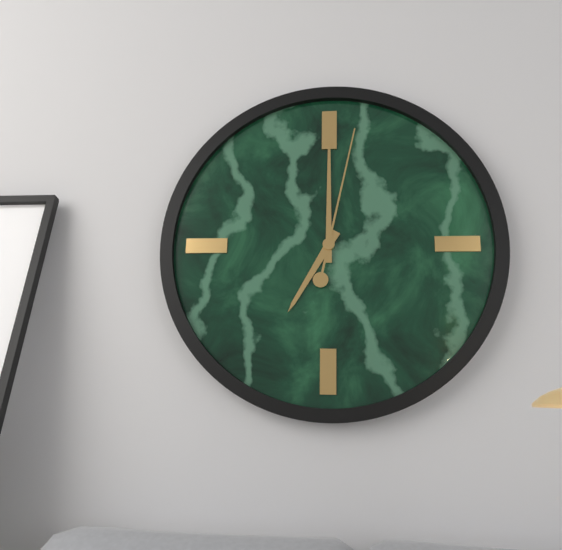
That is 7:00:02
